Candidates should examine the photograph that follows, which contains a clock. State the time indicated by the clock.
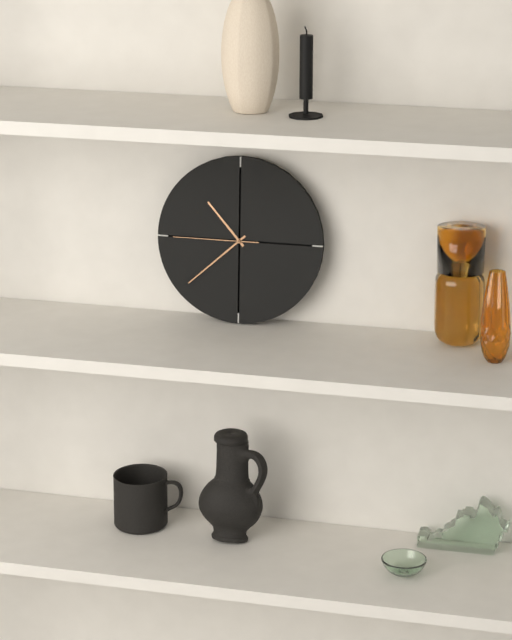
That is 10:38:45
